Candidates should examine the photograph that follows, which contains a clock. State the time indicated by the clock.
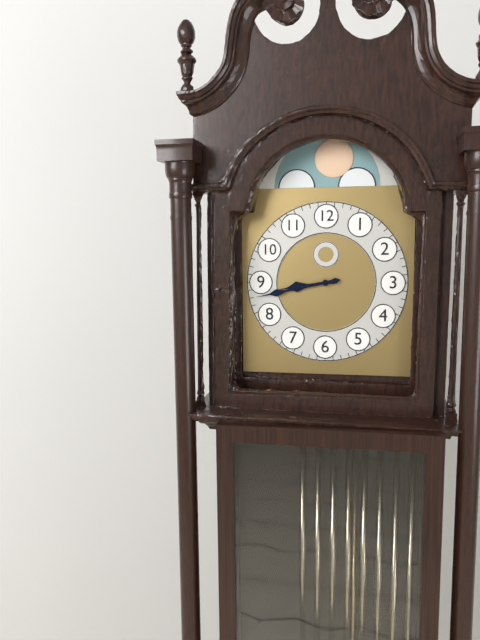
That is 8:43
